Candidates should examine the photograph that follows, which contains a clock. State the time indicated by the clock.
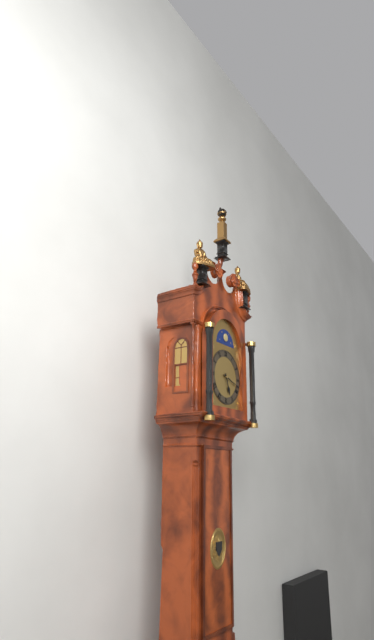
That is 5:18
